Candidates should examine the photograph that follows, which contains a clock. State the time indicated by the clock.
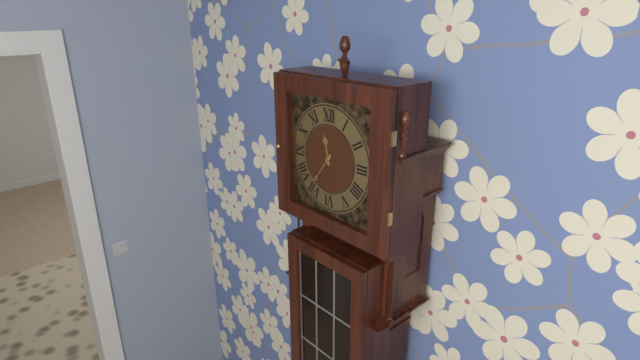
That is 11:36
